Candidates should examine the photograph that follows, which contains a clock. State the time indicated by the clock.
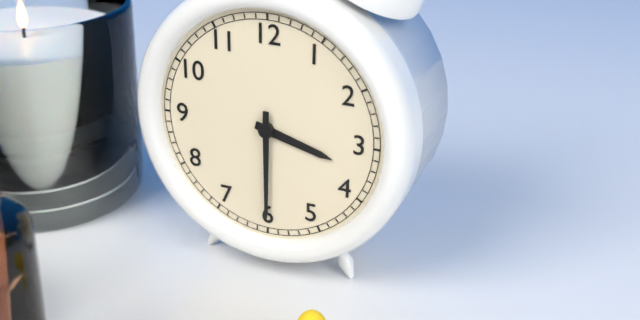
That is 3:30
